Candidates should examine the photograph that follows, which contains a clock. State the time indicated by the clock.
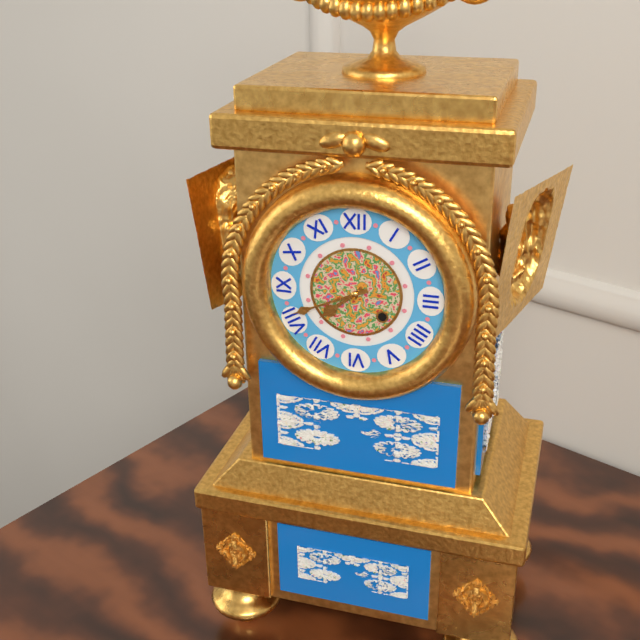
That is 7:41
